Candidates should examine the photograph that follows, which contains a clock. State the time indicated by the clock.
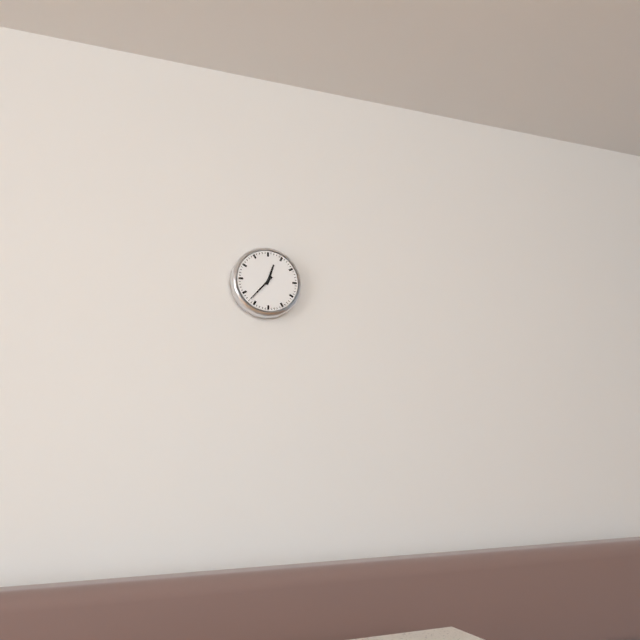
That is 12:37
